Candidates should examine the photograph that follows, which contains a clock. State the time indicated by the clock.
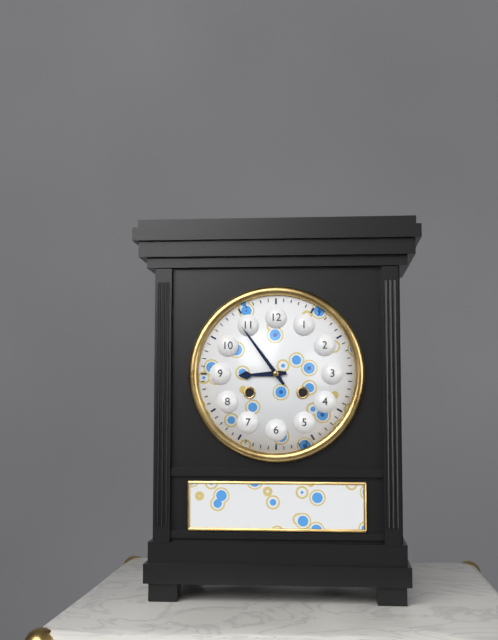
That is 8:54
